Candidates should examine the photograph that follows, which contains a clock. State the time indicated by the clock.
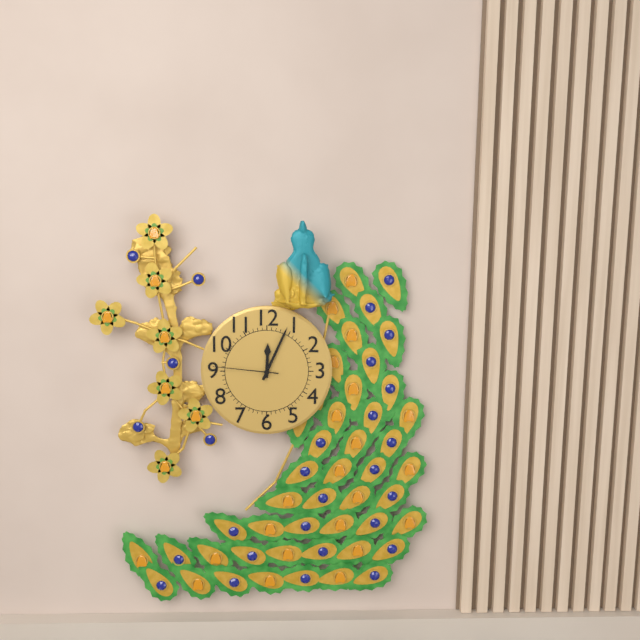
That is 12:04:46
